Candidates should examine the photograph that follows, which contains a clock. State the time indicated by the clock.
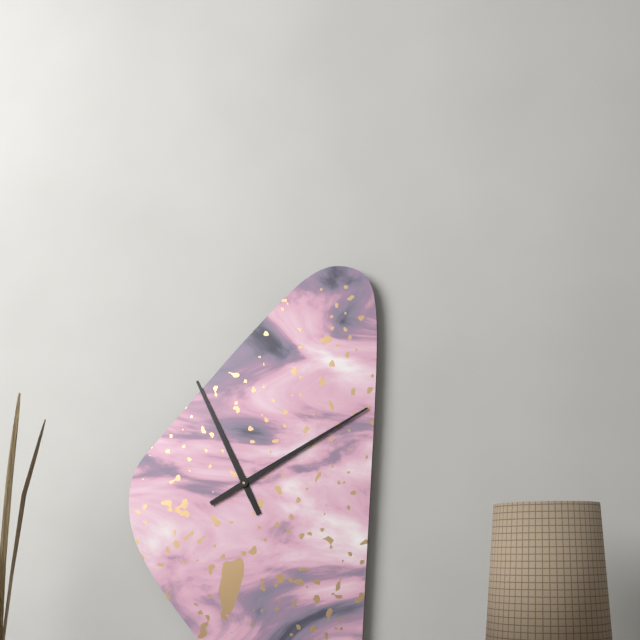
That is 11:10
